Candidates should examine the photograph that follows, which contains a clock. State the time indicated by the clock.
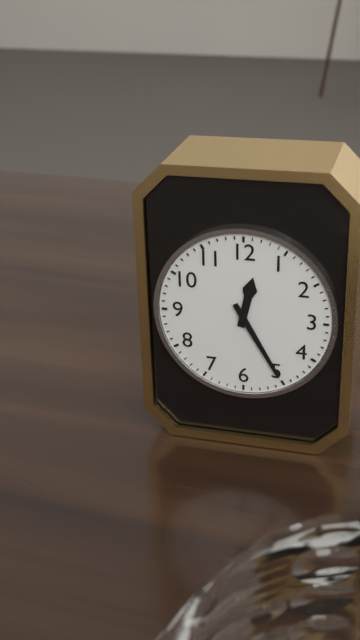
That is 12:25
